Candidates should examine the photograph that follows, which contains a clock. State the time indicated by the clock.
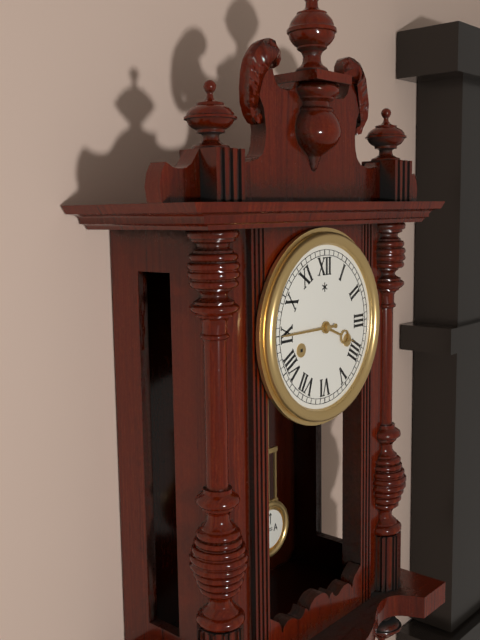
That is 3:45
